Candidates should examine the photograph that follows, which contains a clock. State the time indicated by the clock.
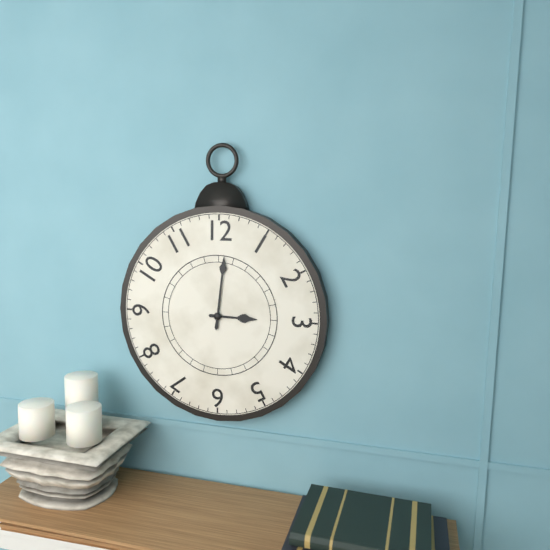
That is 3:01
